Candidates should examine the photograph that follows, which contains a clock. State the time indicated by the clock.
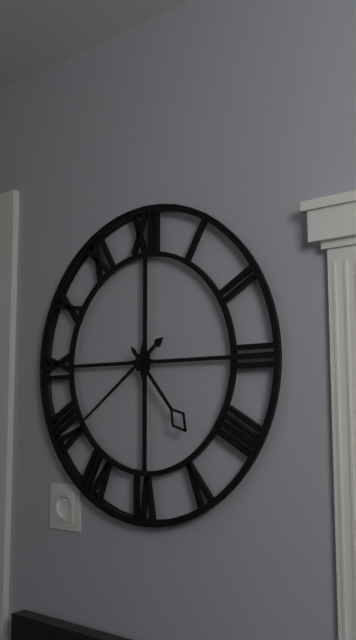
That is 4:39
